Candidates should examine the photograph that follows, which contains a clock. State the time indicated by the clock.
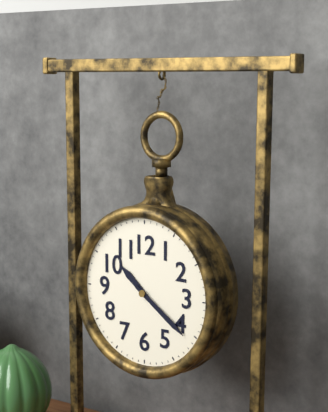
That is 10:21
